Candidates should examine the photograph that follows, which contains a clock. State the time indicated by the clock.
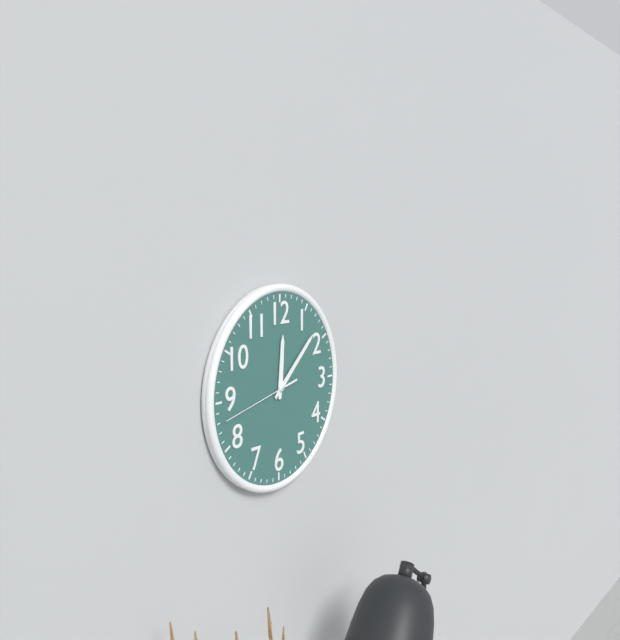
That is 12:08:43
